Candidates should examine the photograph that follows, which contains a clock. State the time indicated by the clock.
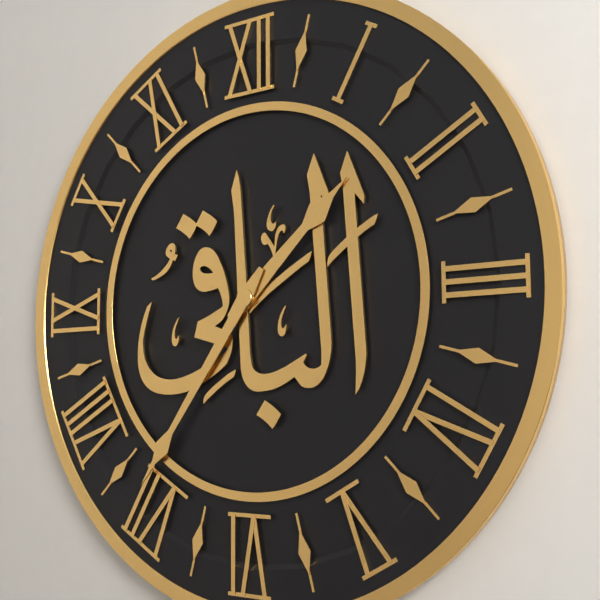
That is 1:36
